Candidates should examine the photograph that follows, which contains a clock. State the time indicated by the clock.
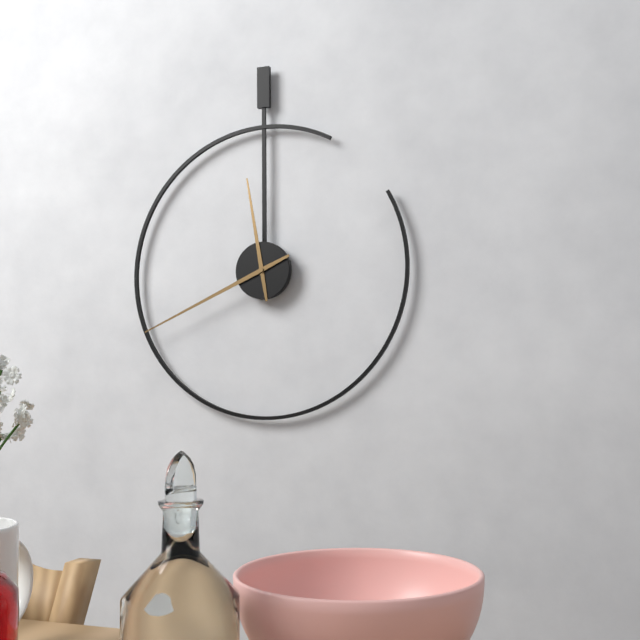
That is 11:41
